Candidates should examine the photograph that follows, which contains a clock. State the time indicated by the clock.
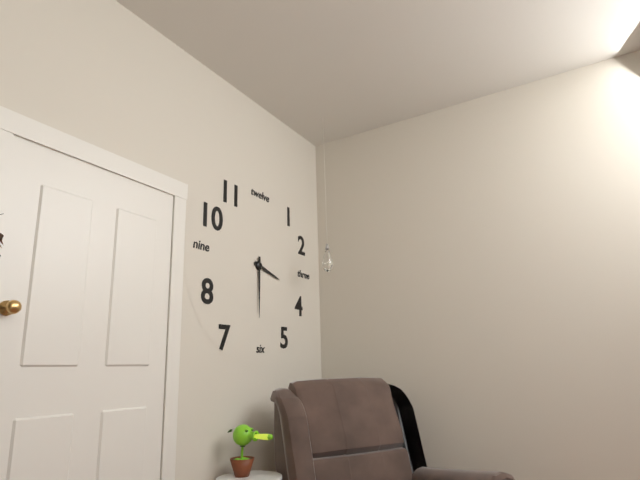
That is 3:30
